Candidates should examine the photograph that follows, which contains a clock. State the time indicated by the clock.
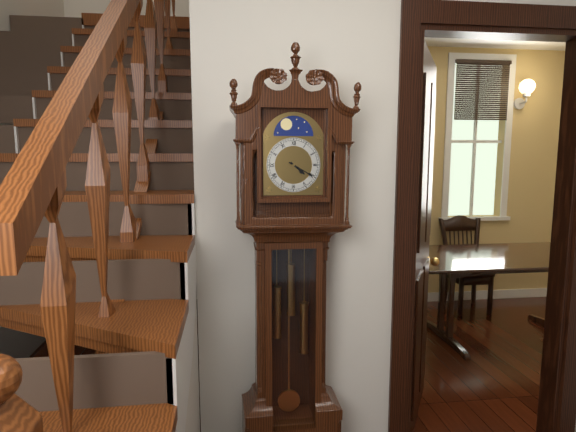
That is 4:20
